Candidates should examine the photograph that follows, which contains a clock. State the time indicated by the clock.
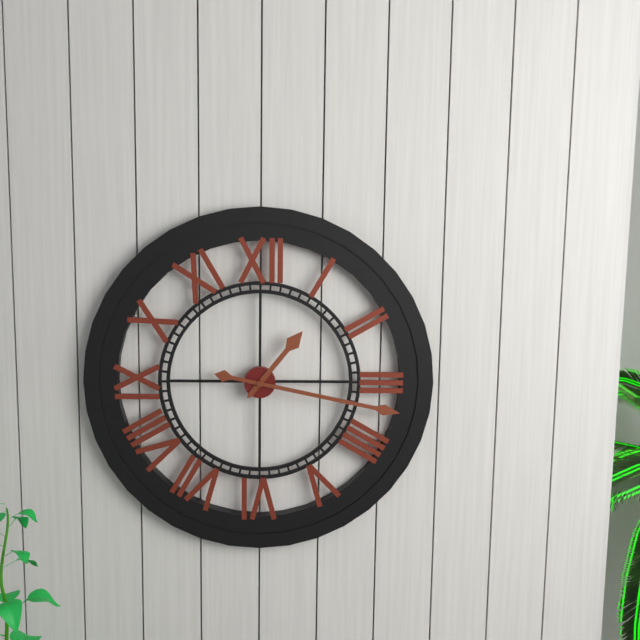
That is 1:17
